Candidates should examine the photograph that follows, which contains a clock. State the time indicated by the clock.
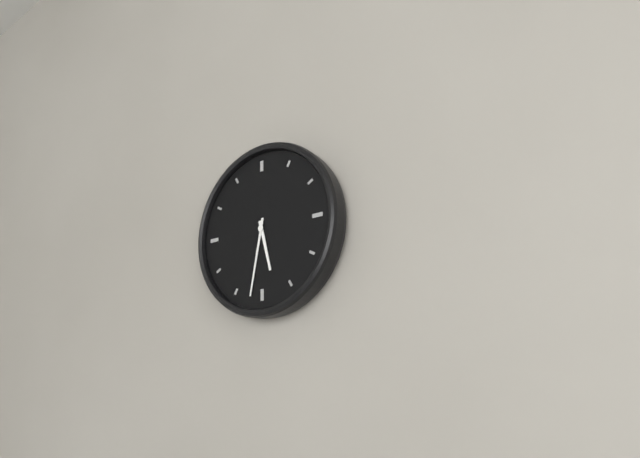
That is 5:32
